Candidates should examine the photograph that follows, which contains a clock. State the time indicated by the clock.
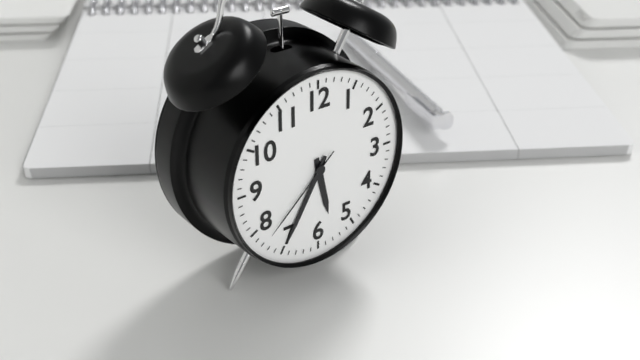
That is 5:35:38
